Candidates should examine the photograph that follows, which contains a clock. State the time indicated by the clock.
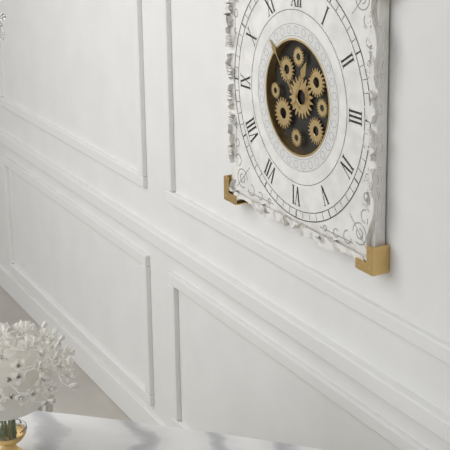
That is 12:53
